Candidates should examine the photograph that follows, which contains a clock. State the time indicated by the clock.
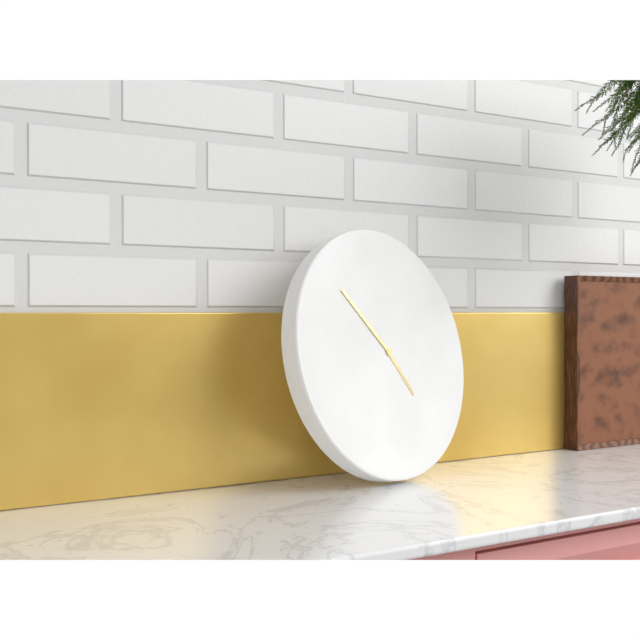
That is 4:53
